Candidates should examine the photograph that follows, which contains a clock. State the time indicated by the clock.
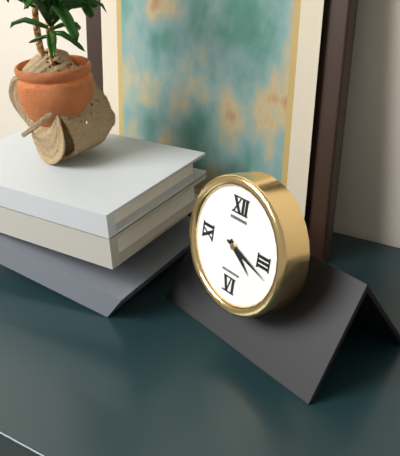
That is 4:18
